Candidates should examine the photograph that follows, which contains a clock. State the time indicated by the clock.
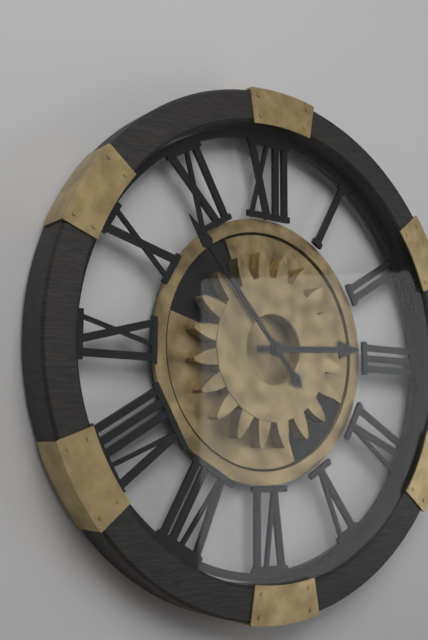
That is 2:53
